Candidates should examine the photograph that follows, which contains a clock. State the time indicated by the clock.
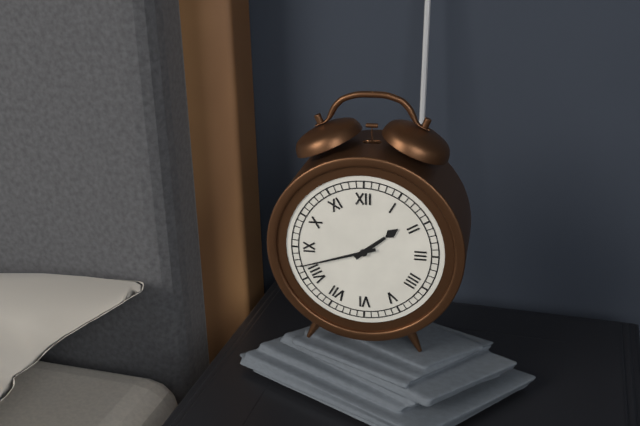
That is 1:42
